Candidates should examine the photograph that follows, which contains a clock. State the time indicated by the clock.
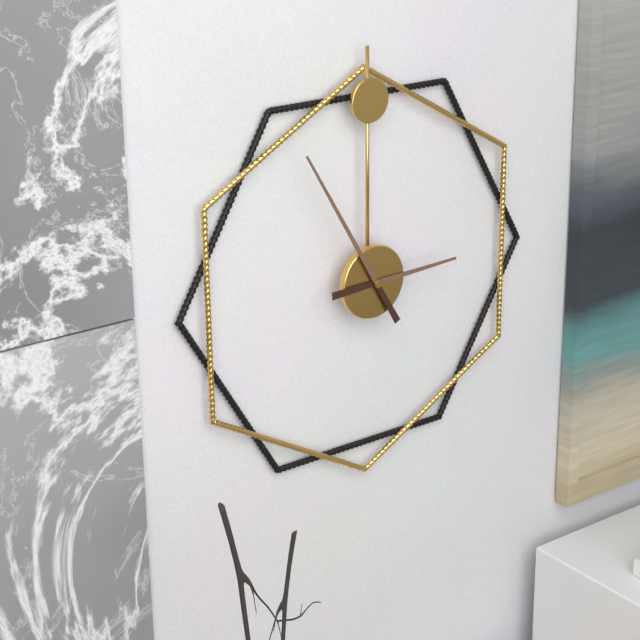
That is 2:55
